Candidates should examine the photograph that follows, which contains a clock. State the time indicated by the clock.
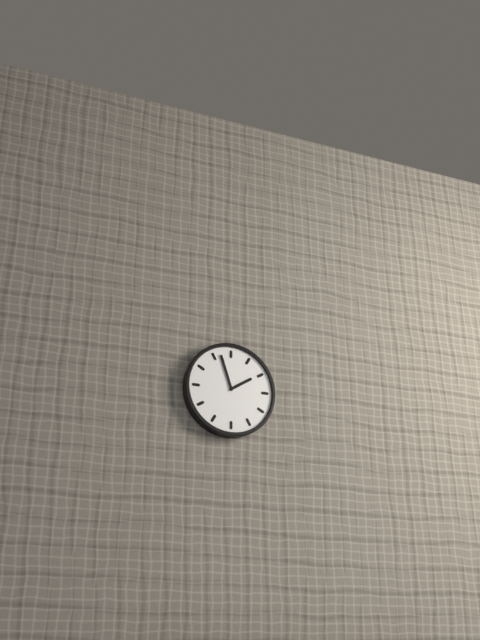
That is 1:57
